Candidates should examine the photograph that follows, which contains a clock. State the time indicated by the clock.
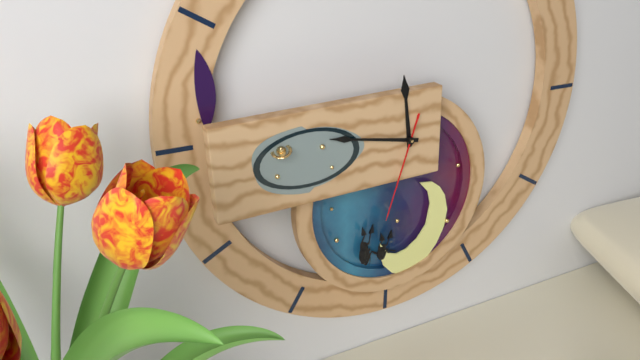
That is 11:47:33
